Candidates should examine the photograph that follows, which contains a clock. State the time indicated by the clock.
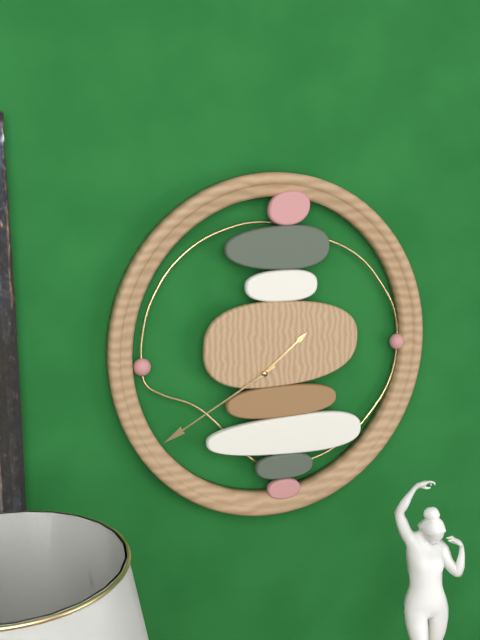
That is 1:40
